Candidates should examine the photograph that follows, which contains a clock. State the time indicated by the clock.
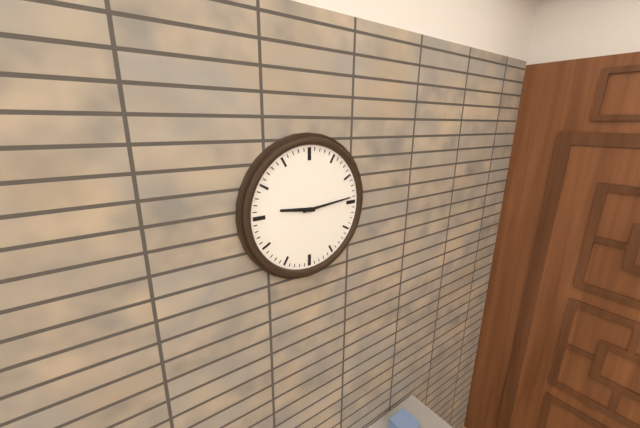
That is 9:14
